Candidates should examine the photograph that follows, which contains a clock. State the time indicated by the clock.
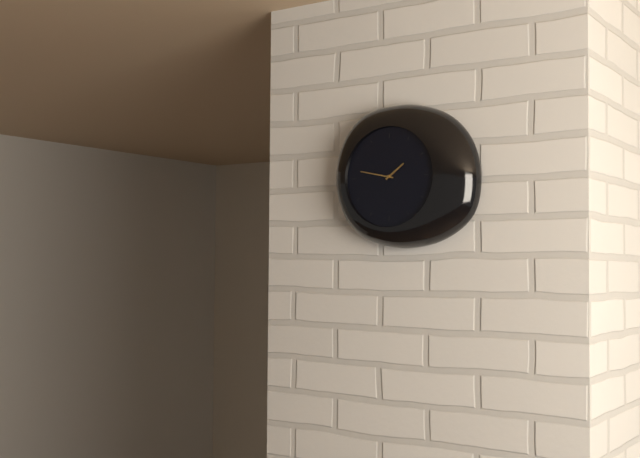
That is 1:47
